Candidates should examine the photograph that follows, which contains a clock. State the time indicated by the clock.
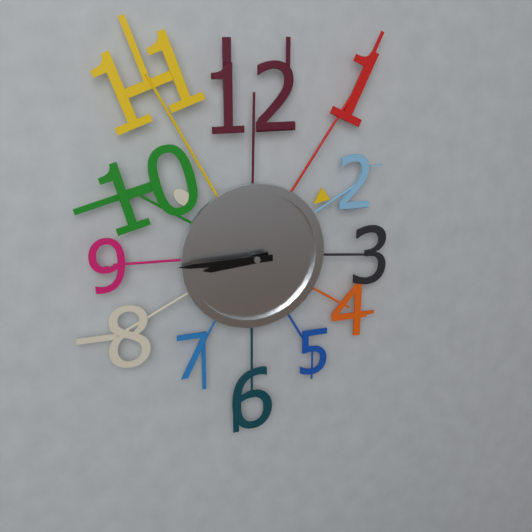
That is 8:45
